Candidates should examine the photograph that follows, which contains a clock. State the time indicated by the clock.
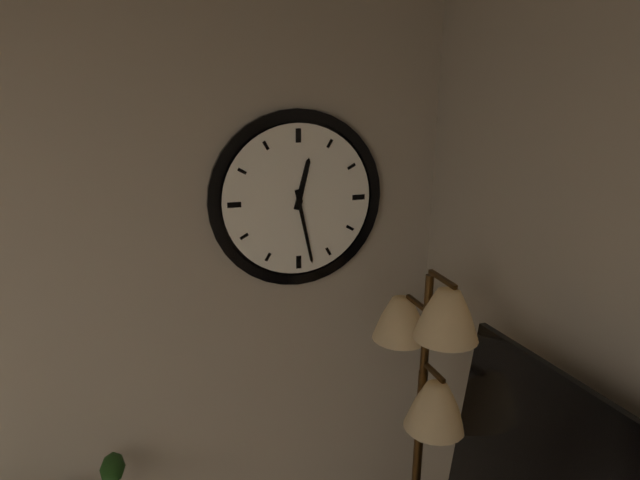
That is 12:28
